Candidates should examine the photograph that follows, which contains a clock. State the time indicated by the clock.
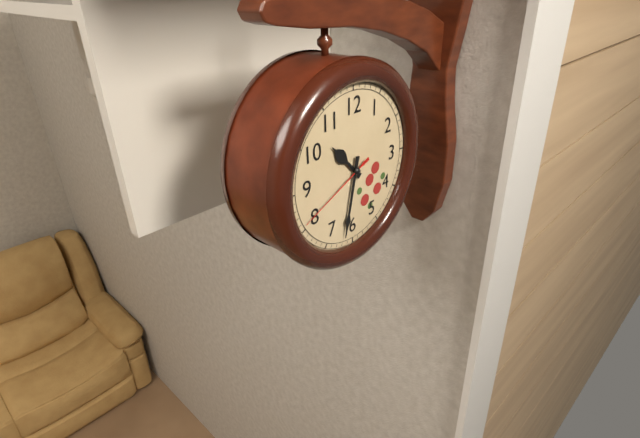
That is 10:32:41
